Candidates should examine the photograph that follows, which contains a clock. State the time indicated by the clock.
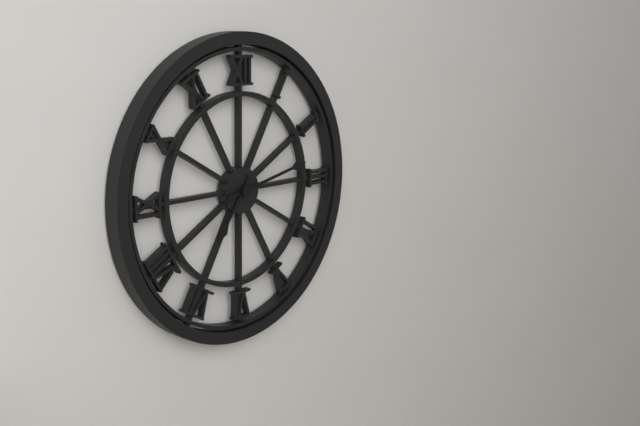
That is 7:13
